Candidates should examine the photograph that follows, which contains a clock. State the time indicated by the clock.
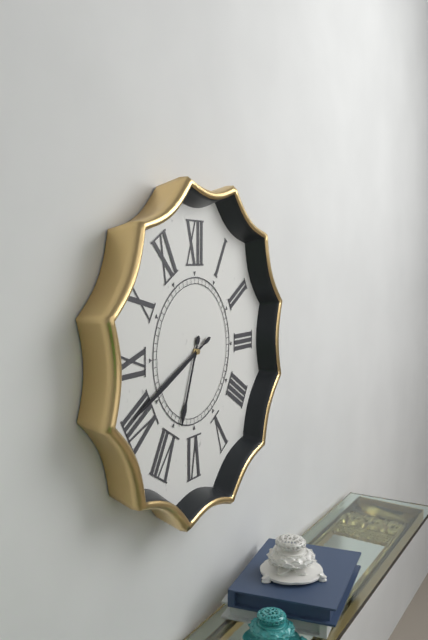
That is 6:41
